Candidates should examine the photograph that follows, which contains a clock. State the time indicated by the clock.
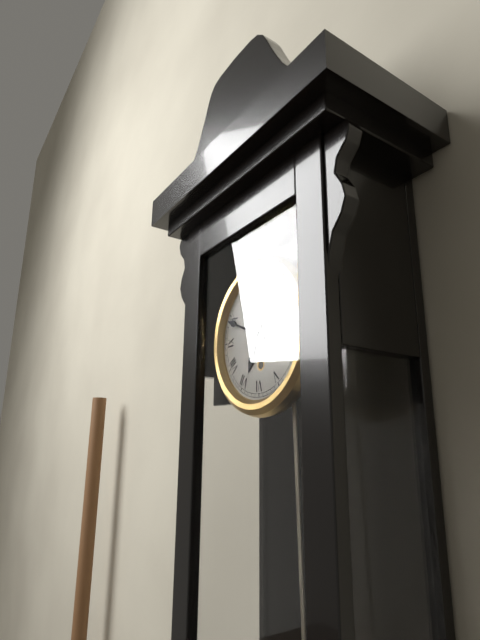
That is 6:49
